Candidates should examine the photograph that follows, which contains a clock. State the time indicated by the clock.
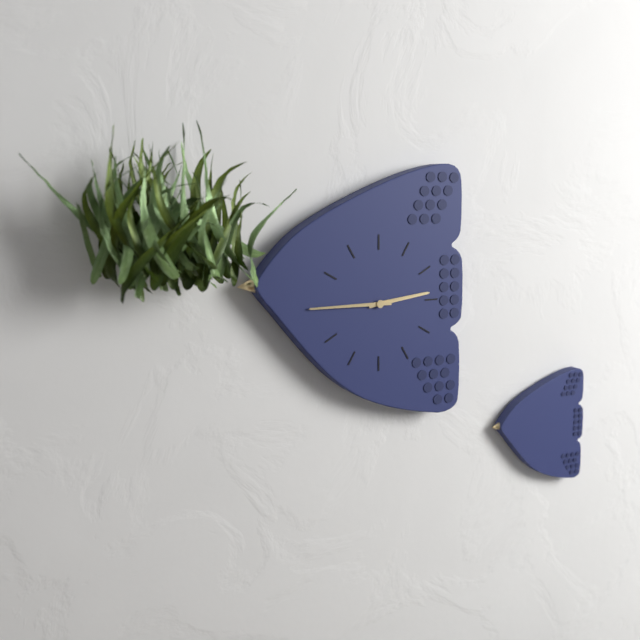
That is 2:45
